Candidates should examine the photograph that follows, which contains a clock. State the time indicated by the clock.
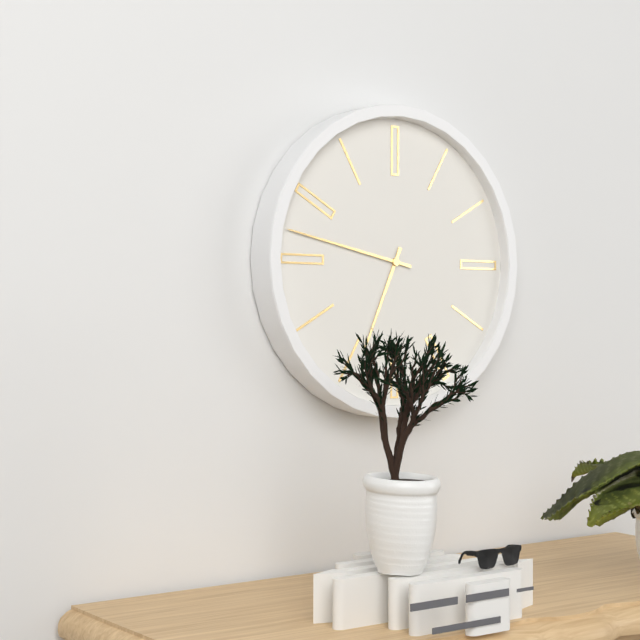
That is 6:47
